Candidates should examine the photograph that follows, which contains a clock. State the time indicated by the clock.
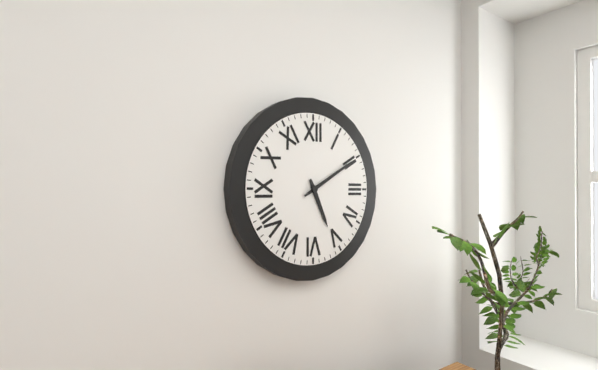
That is 5:10
